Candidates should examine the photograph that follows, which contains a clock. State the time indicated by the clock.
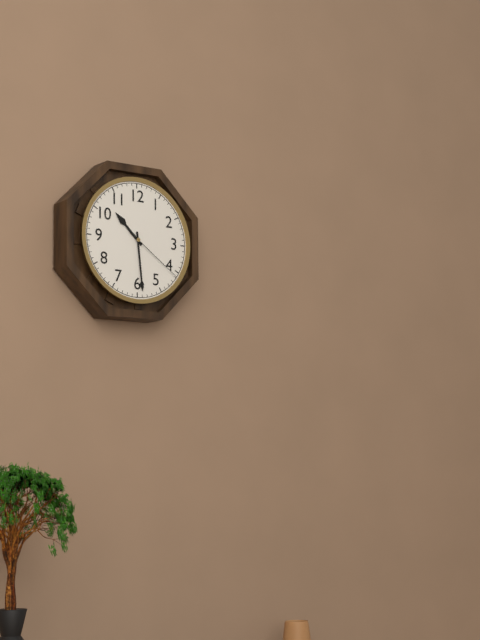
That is 10:29:21
